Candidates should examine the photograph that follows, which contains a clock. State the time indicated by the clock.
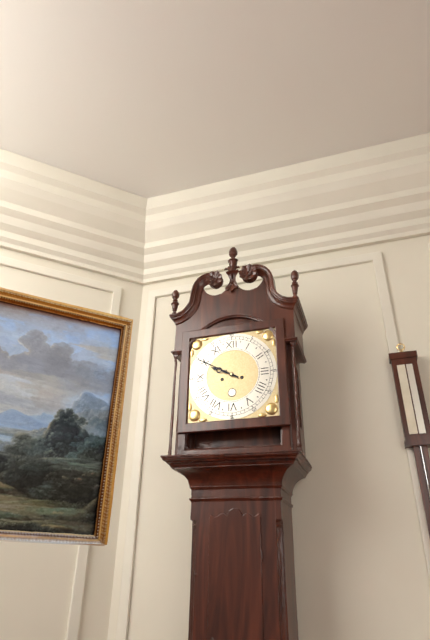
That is 9:50
